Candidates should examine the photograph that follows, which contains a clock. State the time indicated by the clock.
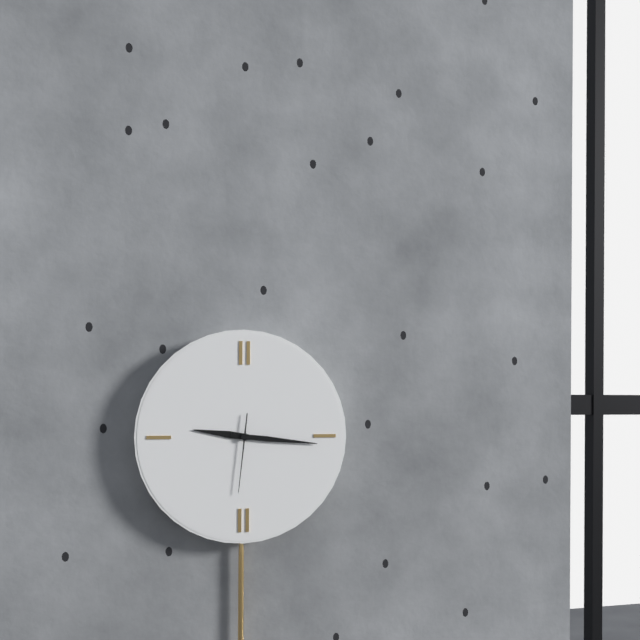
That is 9:16:31
